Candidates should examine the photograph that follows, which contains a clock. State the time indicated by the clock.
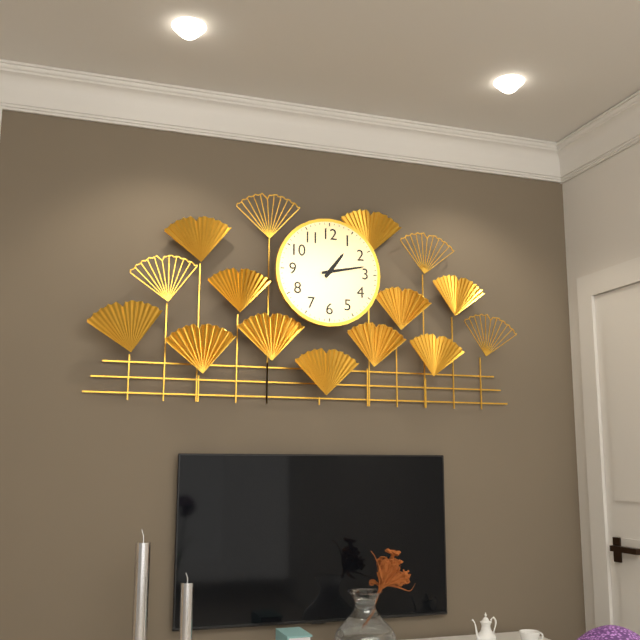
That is 1:13
